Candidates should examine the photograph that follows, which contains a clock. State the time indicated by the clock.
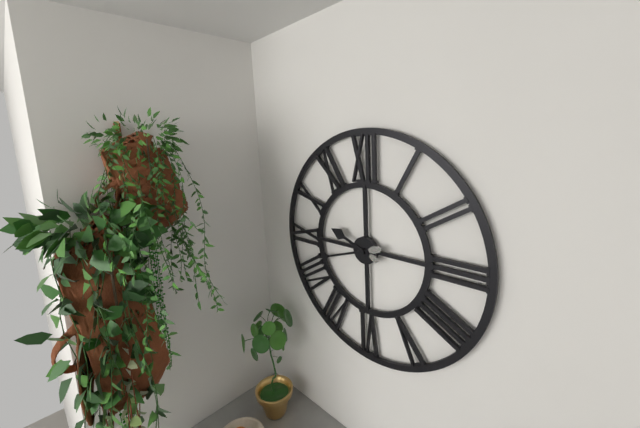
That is 9:42
